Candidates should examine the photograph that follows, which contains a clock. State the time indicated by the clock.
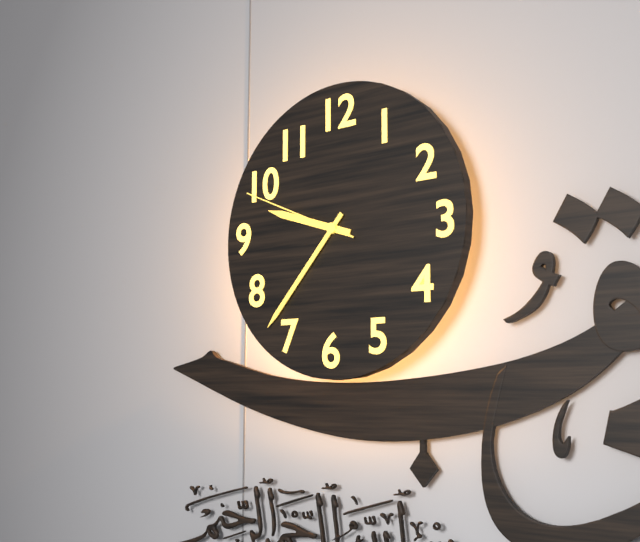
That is 9:37:49
